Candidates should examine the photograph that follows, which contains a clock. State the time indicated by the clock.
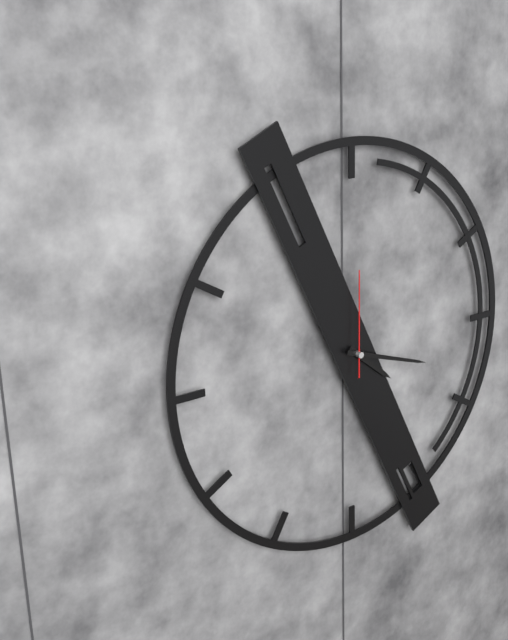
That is 4:18:00
